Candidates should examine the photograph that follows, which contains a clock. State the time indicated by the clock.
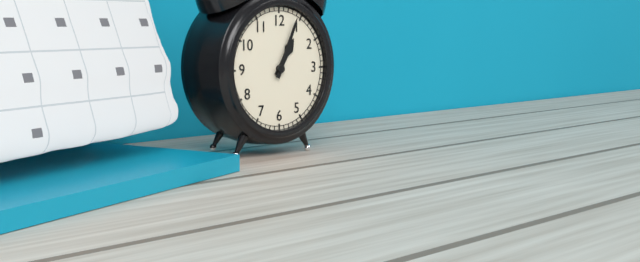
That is 1:04
